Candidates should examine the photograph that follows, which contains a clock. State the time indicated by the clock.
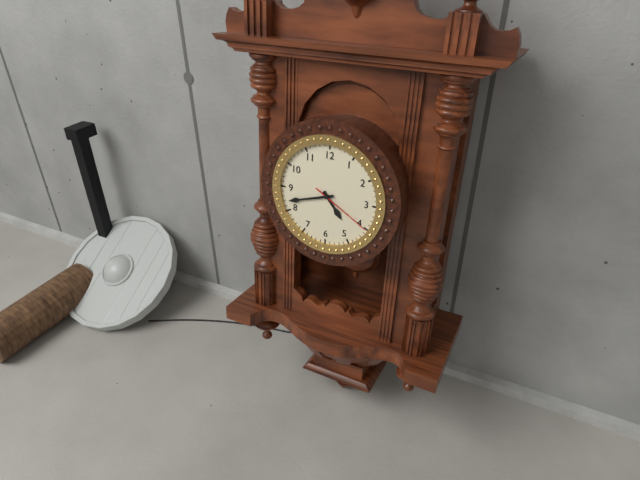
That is 4:42:20
